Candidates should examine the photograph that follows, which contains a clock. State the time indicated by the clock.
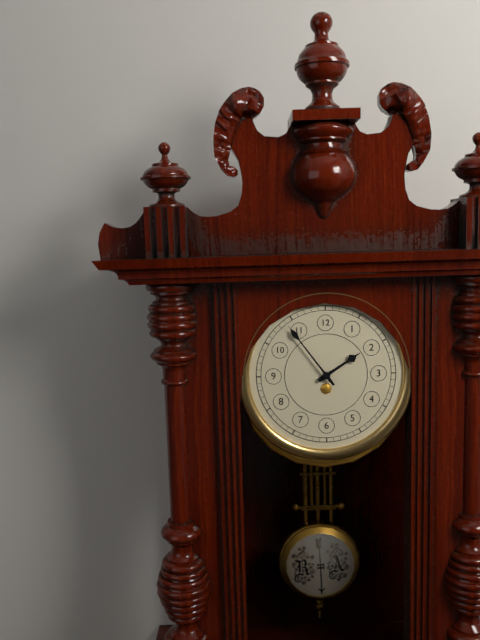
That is 1:54
